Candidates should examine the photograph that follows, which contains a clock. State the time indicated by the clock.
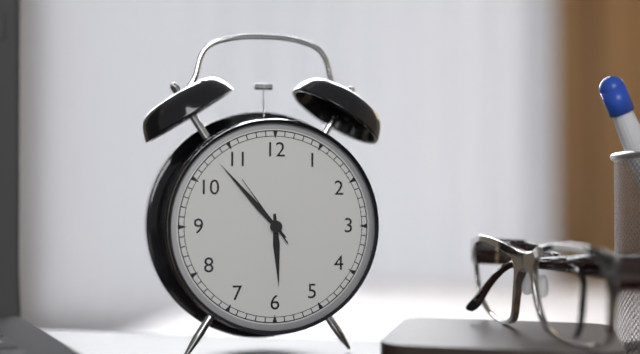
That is 5:53:54
